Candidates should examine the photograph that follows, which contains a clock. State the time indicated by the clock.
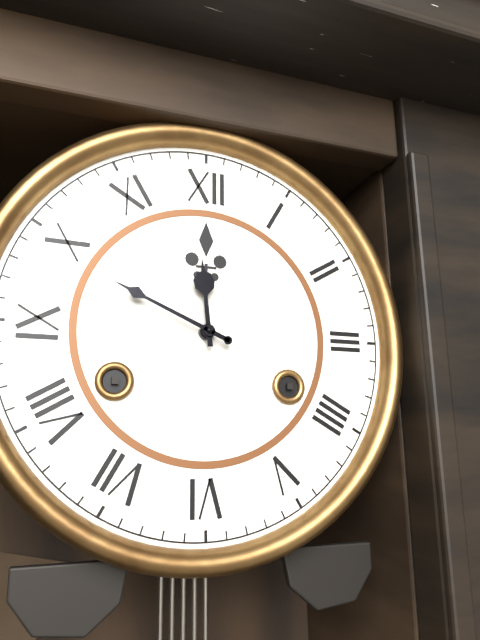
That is 11:49
